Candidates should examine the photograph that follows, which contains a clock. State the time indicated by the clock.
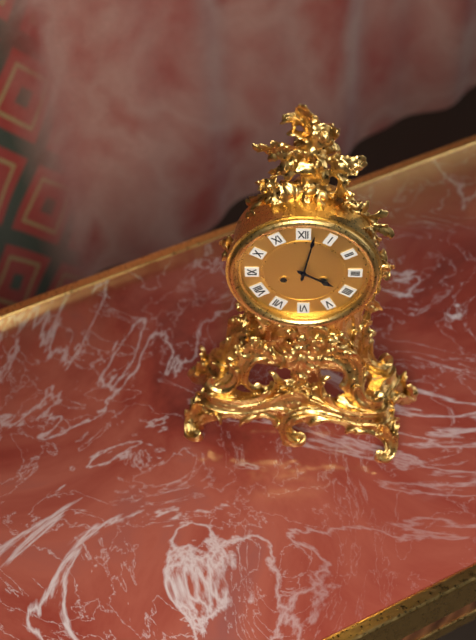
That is 4:02
